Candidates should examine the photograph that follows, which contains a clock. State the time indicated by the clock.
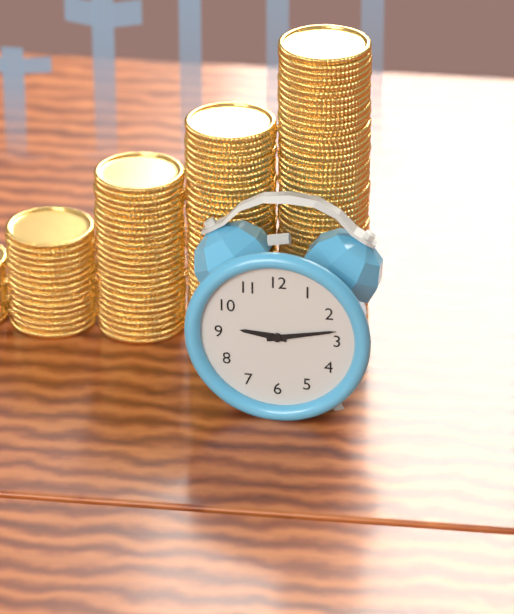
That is 9:13
